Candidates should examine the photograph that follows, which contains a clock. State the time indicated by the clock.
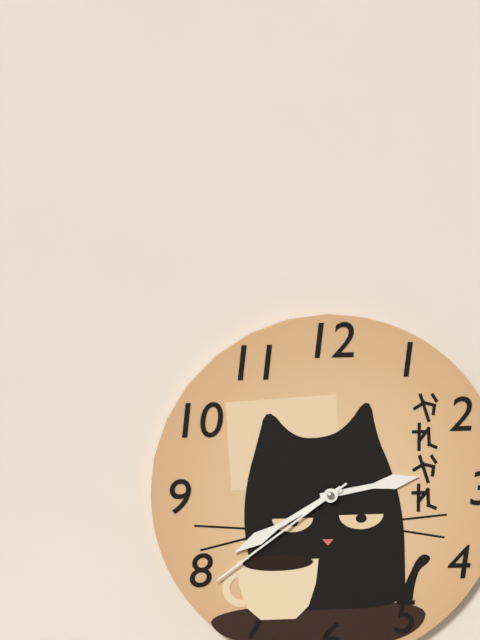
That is 2:40:39
